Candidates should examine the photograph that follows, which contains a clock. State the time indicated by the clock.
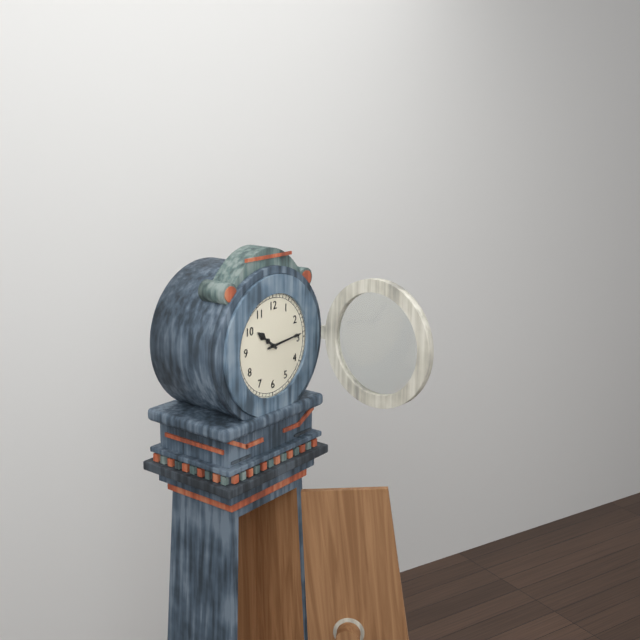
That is 10:14
